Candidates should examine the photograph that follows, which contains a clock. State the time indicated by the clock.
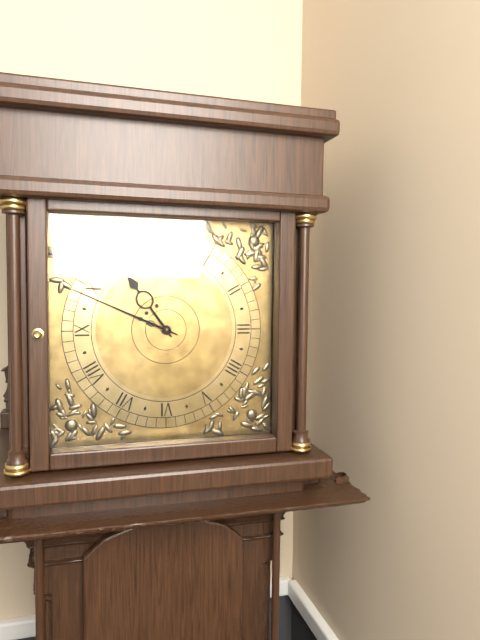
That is 10:49
